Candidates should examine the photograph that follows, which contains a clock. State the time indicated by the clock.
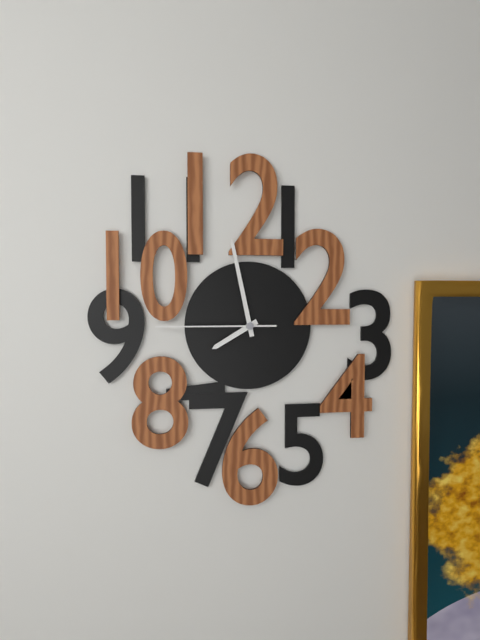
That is 7:58:45
